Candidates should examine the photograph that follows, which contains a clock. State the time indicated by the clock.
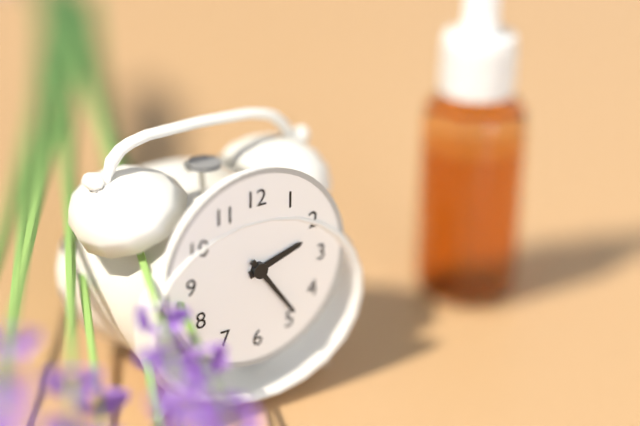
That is 2:24
